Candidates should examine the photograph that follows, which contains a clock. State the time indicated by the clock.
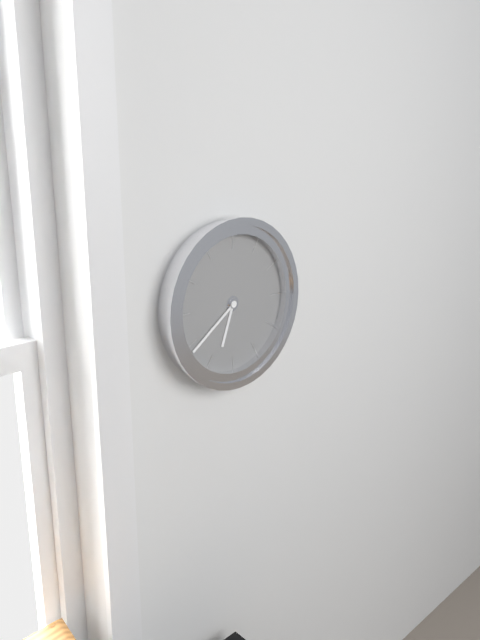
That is 6:39
